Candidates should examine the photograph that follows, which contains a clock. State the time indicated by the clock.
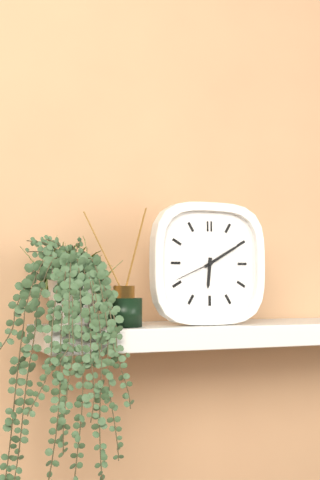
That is 6:10
